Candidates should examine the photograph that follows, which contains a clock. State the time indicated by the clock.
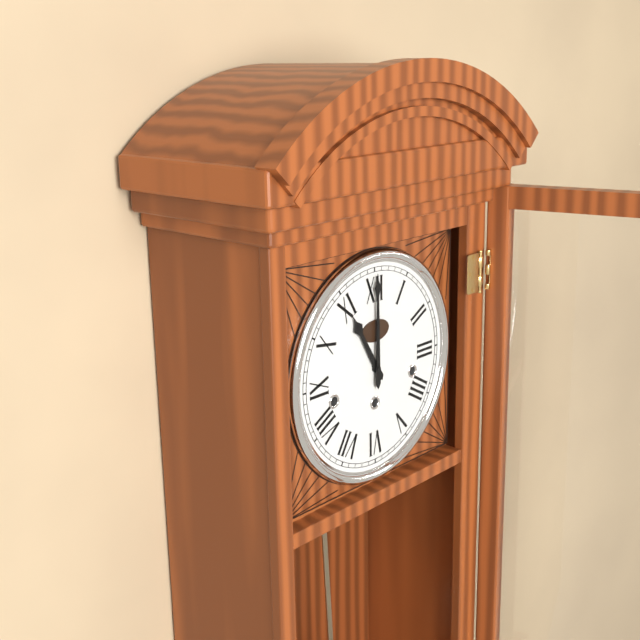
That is 11:00
